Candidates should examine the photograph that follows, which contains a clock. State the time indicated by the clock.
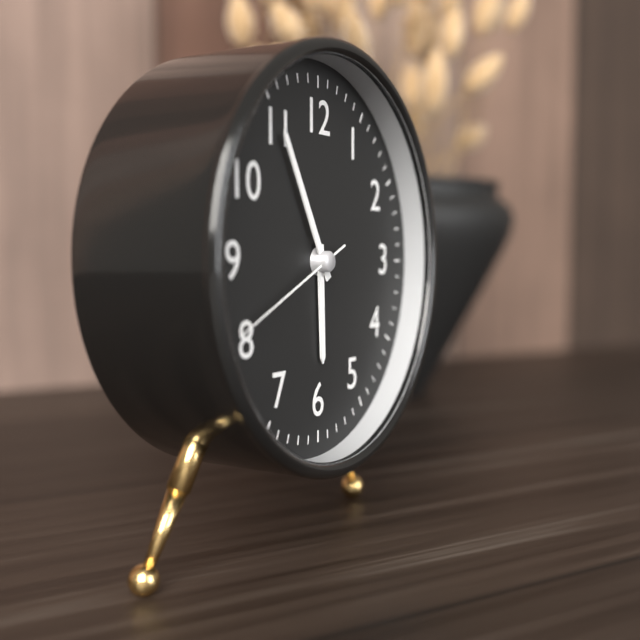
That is 5:55:41
